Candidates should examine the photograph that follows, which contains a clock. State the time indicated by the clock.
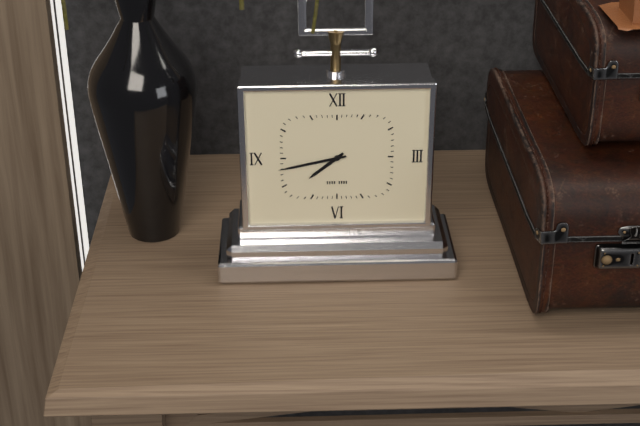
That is 7:43
